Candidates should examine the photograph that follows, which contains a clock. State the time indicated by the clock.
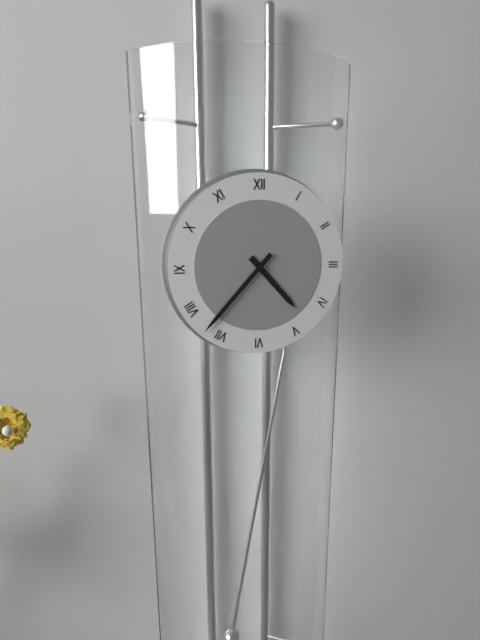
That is 4:37
